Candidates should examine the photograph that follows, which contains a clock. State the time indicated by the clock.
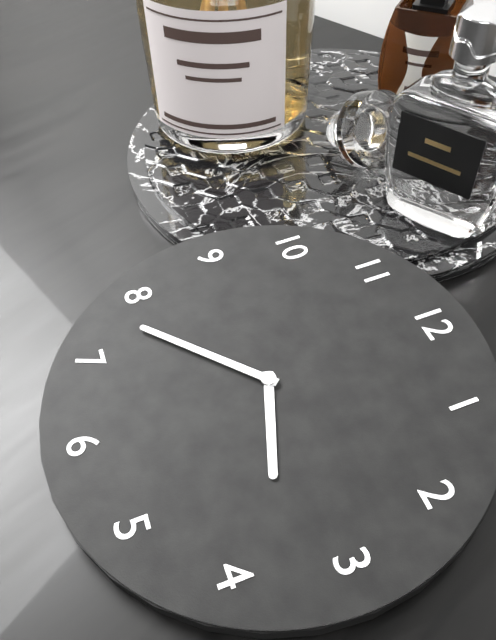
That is 3:38
